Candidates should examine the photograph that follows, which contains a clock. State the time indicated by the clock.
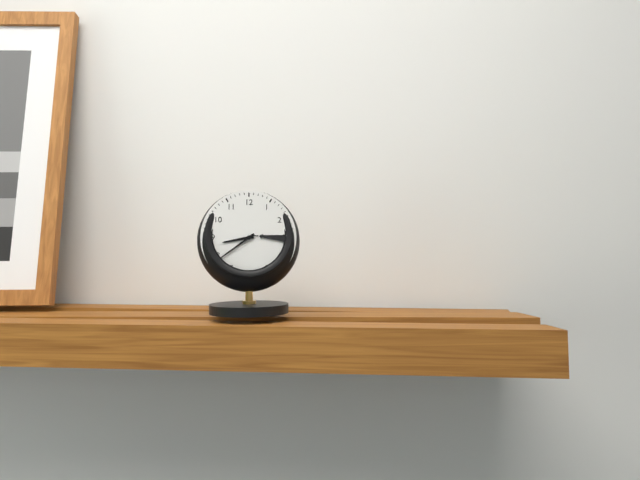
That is 8:39
